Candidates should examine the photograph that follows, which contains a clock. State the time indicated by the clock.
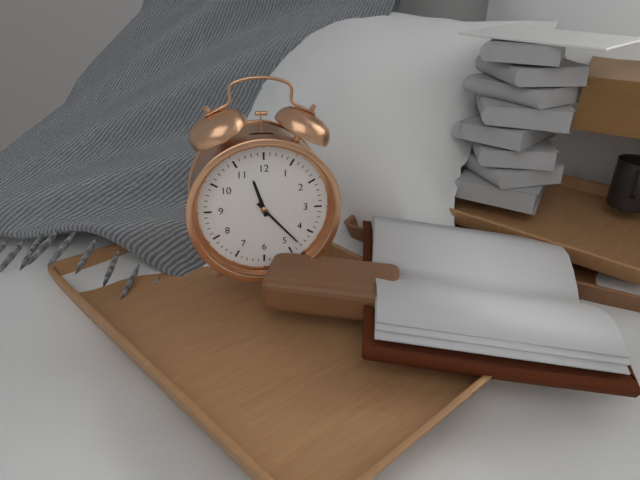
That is 11:23
